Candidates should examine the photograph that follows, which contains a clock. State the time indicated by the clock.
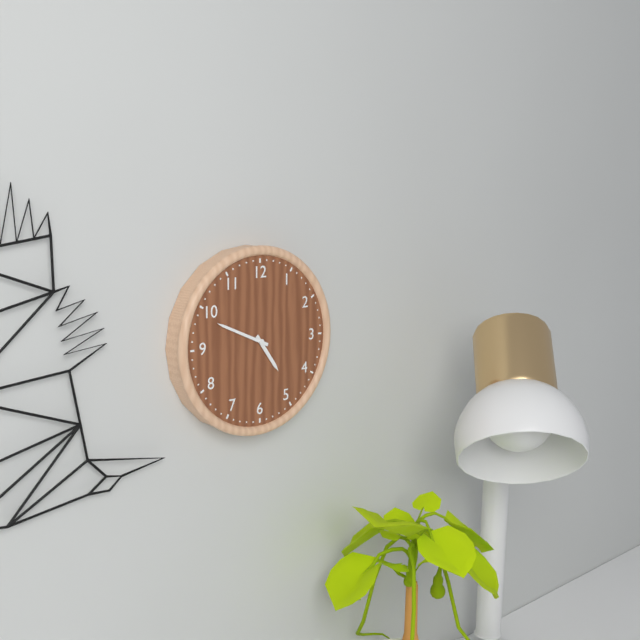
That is 4:49
